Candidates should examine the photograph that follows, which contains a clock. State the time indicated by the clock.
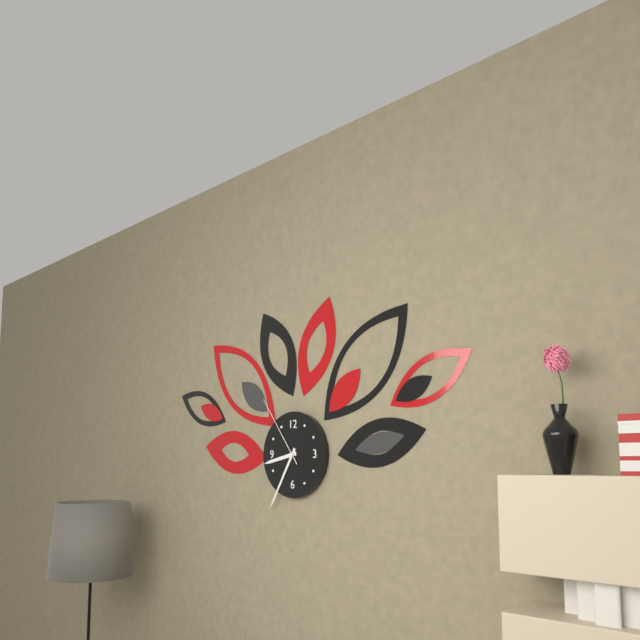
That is 8:35:54
